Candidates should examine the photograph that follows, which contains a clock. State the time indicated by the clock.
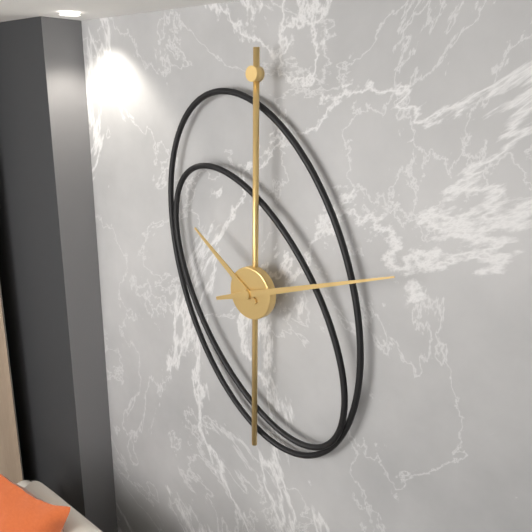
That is 10:12
